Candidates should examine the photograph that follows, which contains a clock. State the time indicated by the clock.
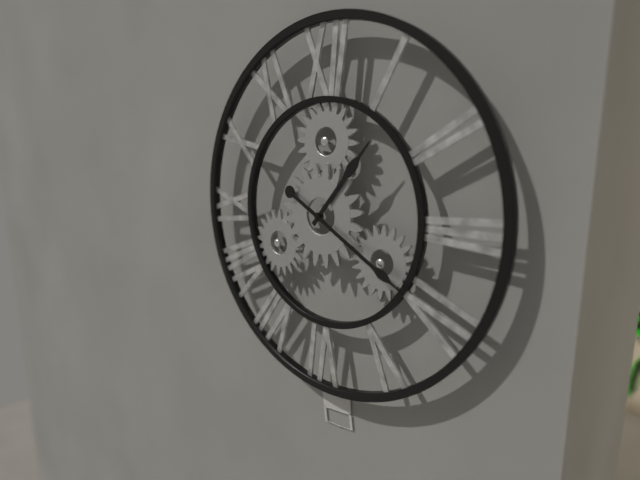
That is 1:20
